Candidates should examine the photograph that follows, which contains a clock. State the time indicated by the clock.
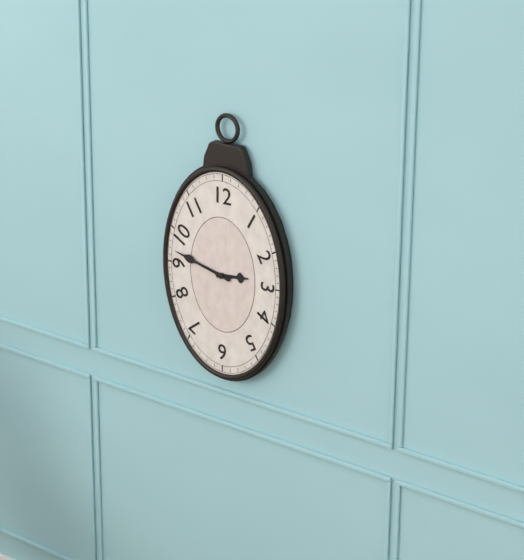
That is 2:47
